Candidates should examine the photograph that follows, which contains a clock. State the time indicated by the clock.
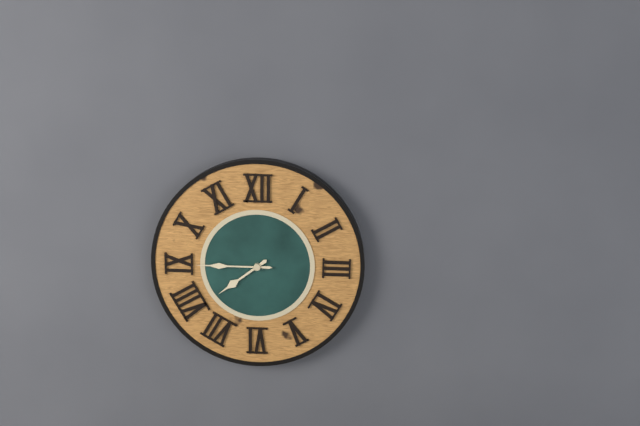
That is 7:45
